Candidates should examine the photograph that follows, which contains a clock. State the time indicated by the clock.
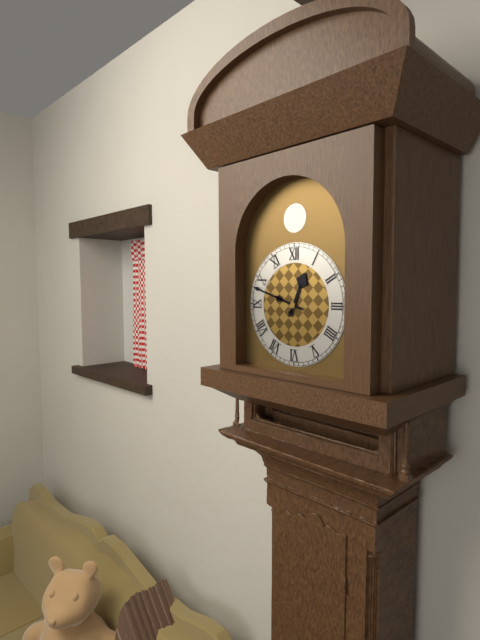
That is 12:48
